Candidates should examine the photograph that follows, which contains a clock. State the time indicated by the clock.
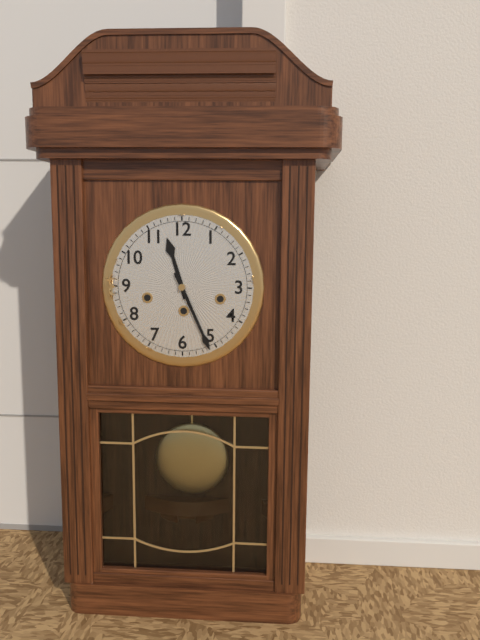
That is 11:26
